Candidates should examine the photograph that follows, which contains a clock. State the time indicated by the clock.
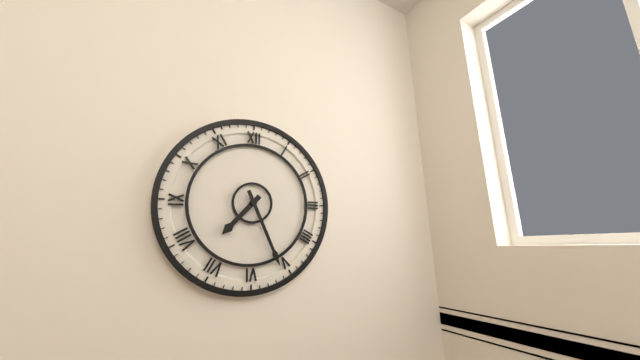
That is 7:26
